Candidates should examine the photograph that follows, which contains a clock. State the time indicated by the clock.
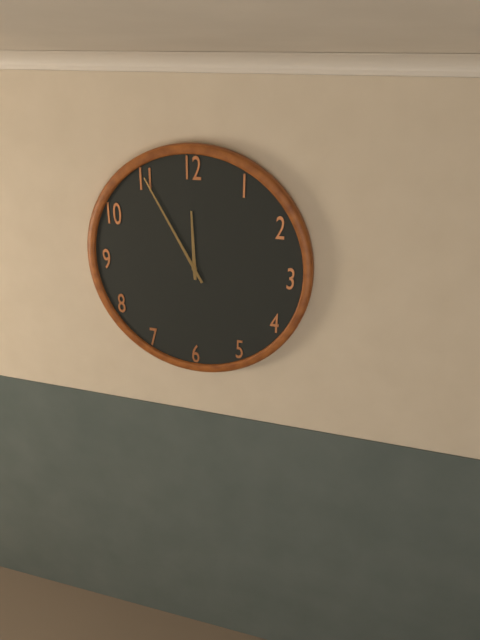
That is 11:55
